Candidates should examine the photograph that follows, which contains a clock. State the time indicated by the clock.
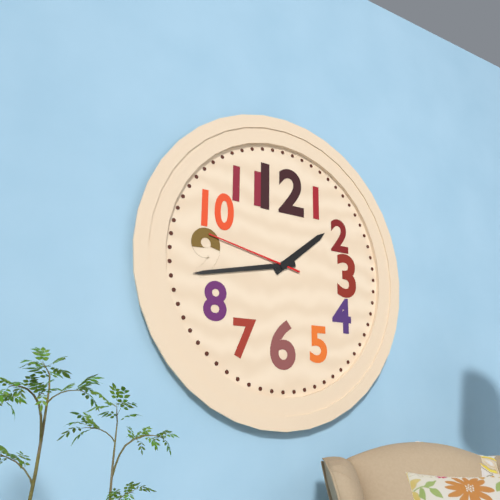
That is 1:43:47
